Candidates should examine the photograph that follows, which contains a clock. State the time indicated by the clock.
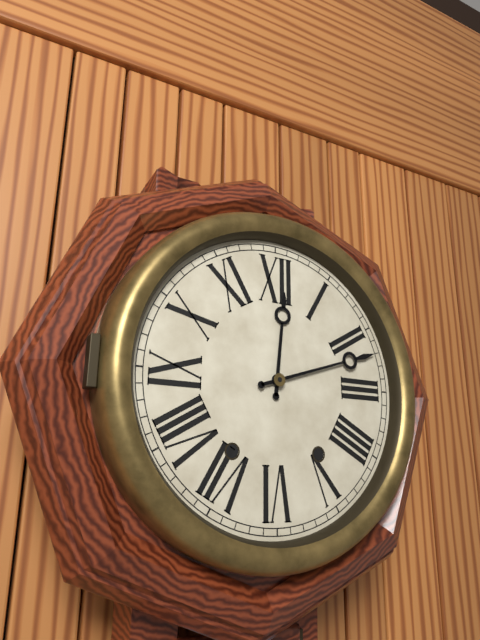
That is 12:12
